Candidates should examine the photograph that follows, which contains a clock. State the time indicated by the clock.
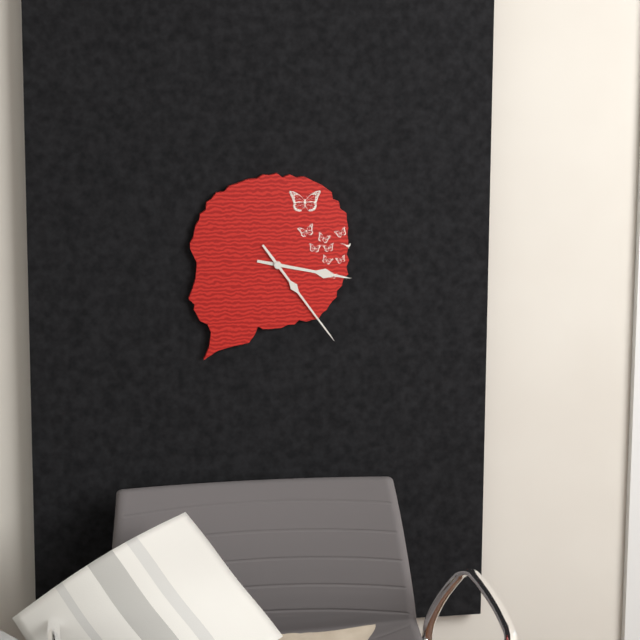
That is 3:24
